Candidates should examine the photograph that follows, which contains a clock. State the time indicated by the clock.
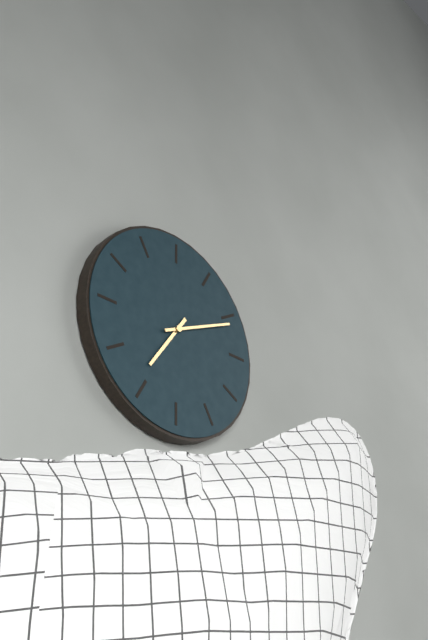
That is 7:11
